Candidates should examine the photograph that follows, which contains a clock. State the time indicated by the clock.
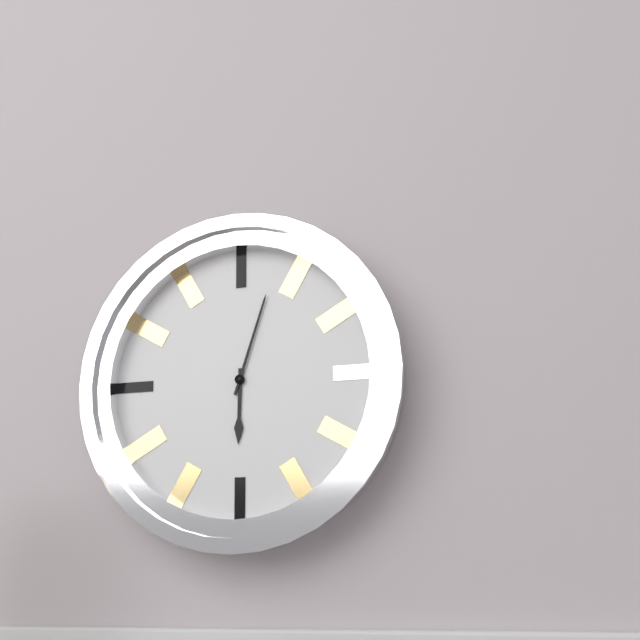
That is 6:03
